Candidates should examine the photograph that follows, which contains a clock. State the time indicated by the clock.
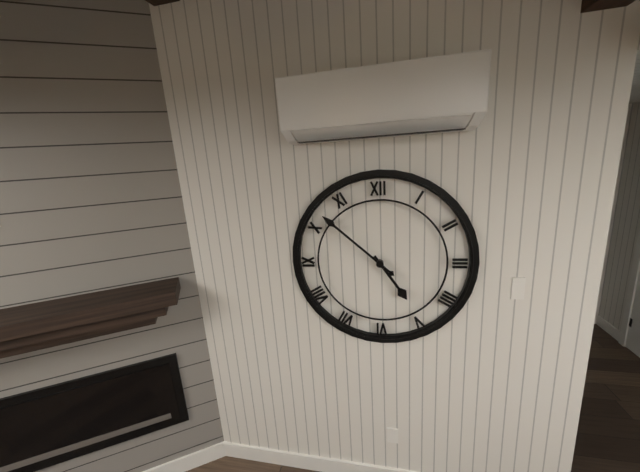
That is 4:52
